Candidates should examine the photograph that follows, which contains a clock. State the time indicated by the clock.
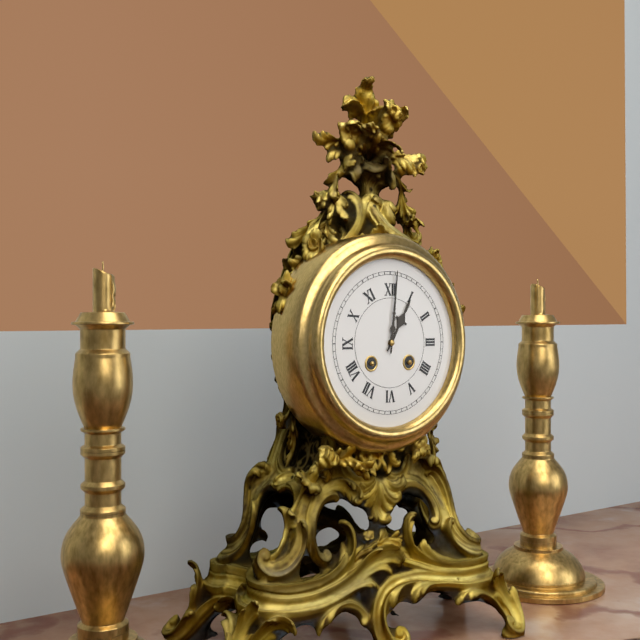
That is 1:01
